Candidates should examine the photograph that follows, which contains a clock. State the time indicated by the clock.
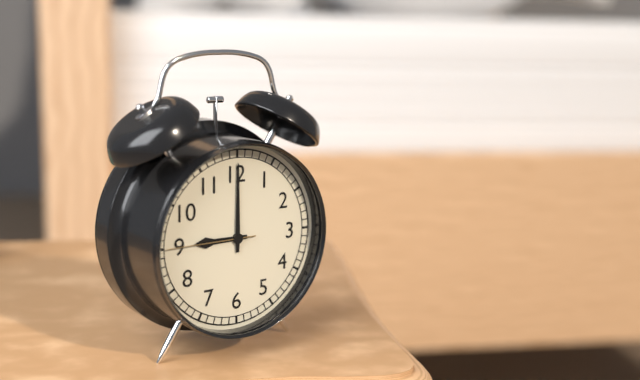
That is 9:00:45
